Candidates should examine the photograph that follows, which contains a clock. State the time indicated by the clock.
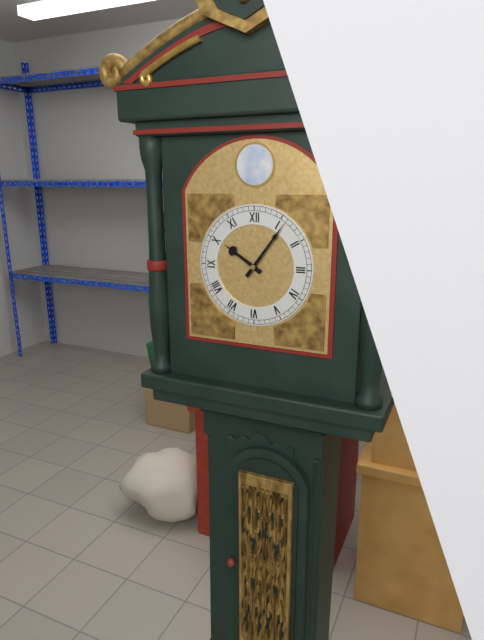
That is 10:06
